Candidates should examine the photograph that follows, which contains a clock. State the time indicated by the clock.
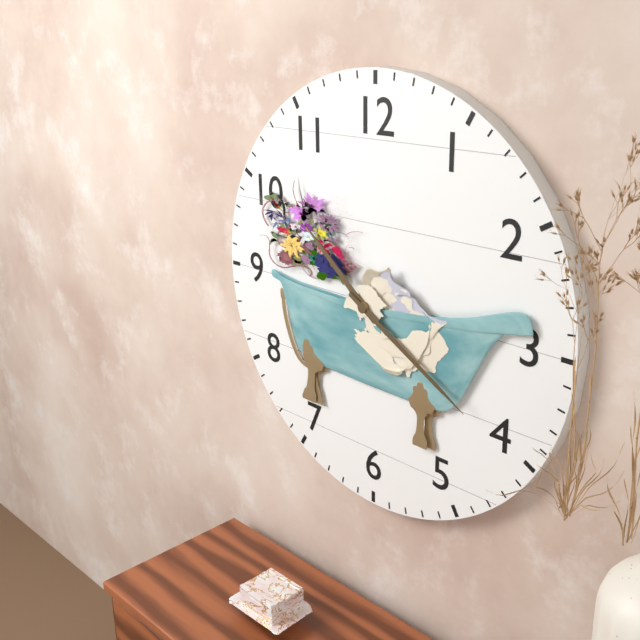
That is 10:20
